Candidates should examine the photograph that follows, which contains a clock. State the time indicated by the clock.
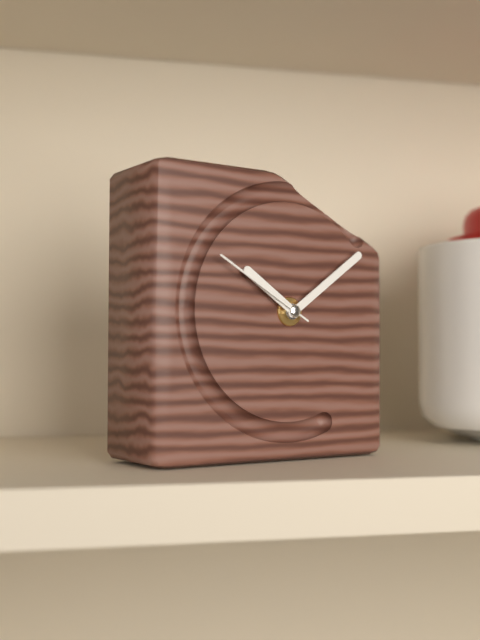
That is 10:09:50
